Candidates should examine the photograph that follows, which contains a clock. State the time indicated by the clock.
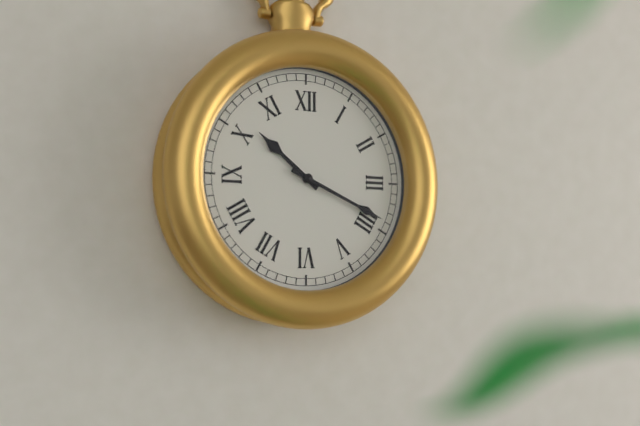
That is 10:19
